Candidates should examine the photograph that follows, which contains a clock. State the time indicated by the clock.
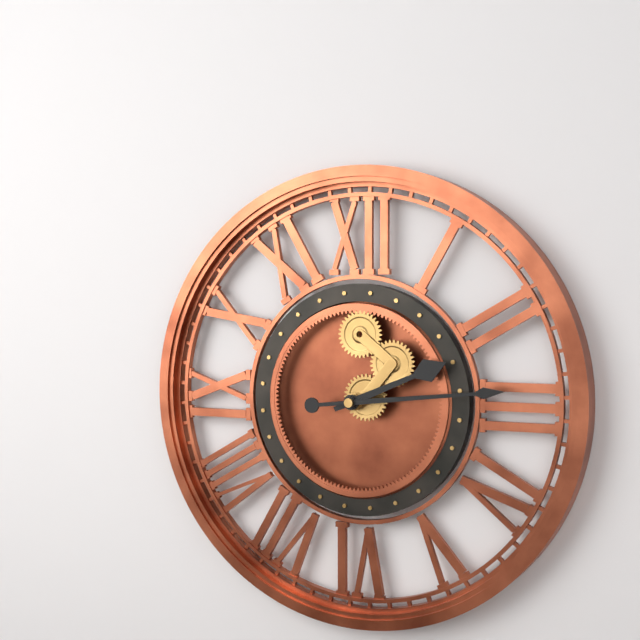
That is 2:14
